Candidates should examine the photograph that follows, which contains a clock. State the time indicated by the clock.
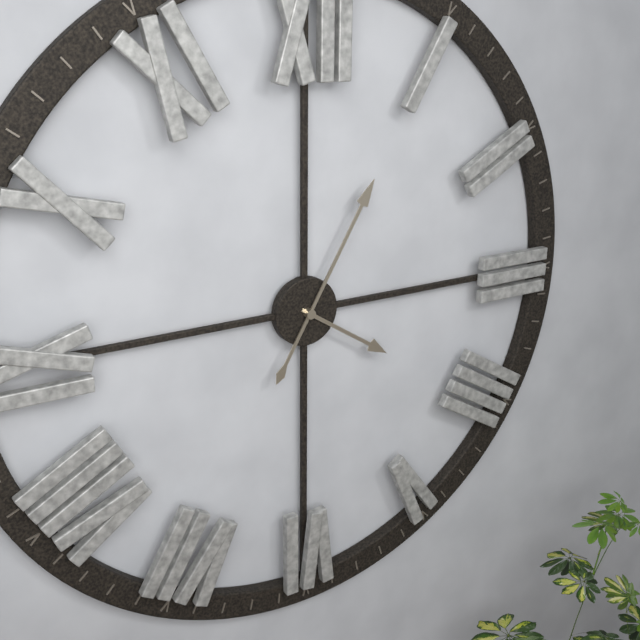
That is 4:05
